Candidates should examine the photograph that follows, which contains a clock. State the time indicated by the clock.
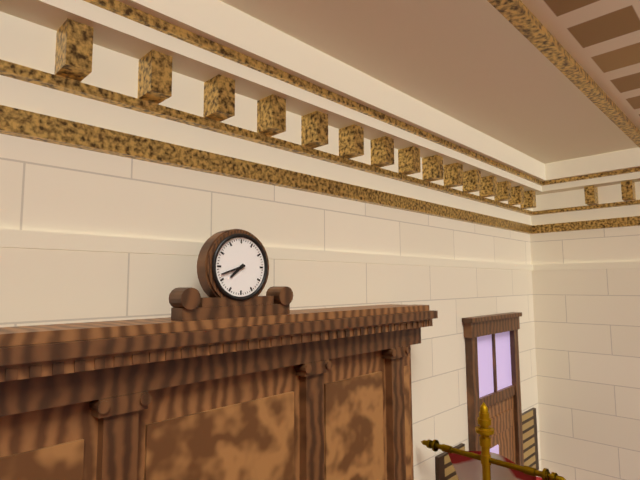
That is 7:42
